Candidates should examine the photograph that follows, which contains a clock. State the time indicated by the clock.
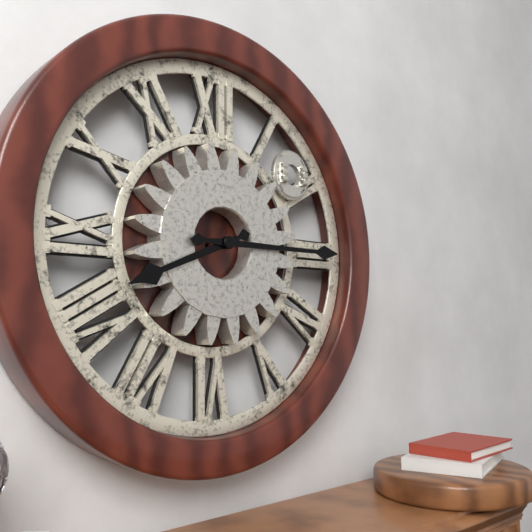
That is 8:15
